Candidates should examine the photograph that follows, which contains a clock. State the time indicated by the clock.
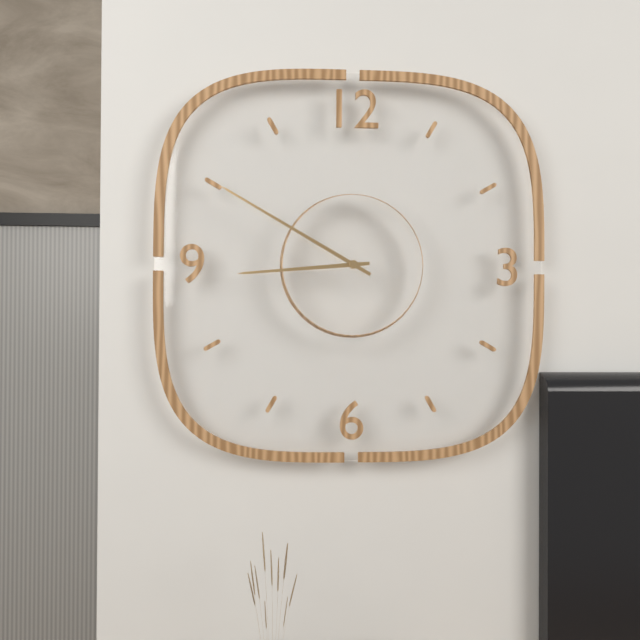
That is 8:50
